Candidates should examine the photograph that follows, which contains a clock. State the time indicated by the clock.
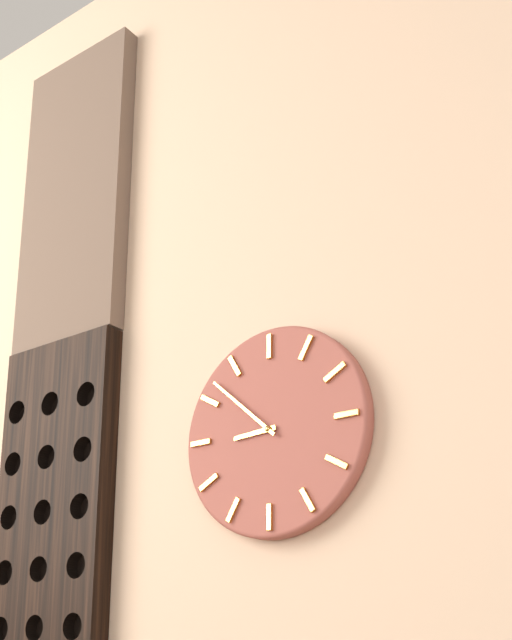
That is 8:52
